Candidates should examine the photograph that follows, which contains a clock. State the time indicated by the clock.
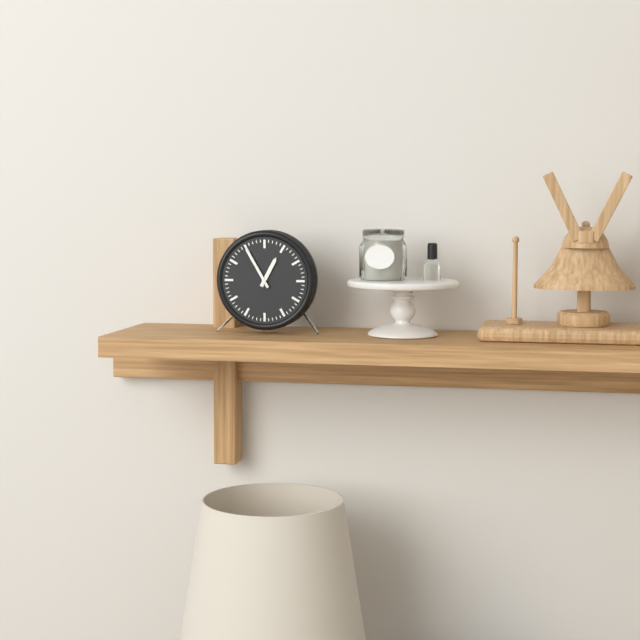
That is 12:55
